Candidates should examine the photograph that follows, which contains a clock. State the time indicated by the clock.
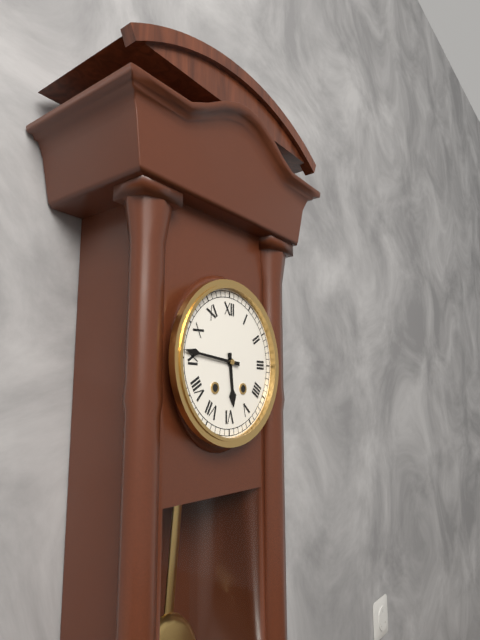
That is 5:46
